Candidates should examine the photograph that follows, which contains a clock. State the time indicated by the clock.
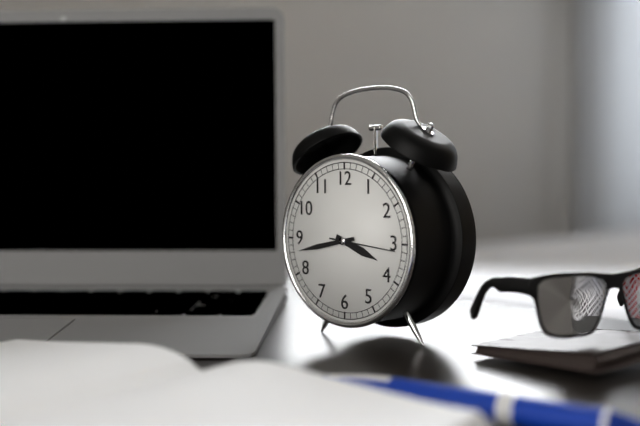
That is 3:43
